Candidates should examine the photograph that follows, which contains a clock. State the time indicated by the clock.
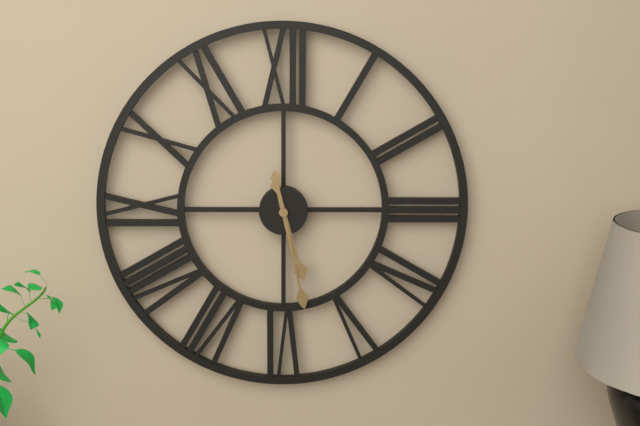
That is 5:28
